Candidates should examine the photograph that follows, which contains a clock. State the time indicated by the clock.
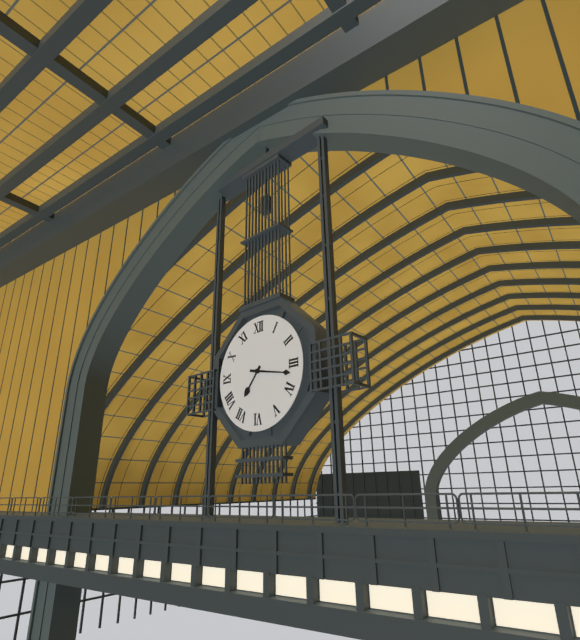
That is 7:17
